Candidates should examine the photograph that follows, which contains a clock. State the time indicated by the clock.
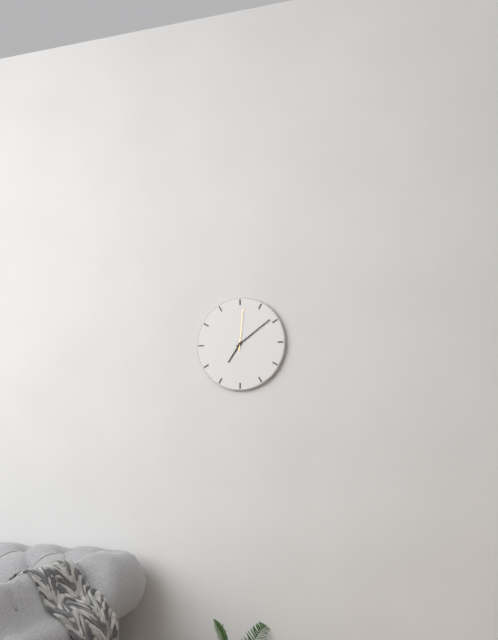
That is 7:09
